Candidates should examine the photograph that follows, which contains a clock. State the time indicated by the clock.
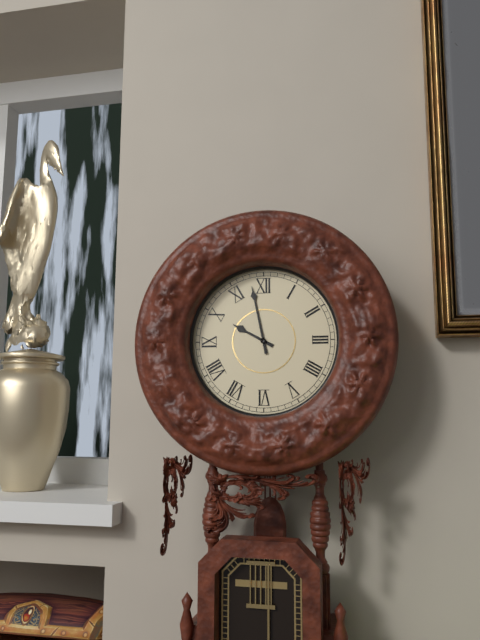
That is 9:58
